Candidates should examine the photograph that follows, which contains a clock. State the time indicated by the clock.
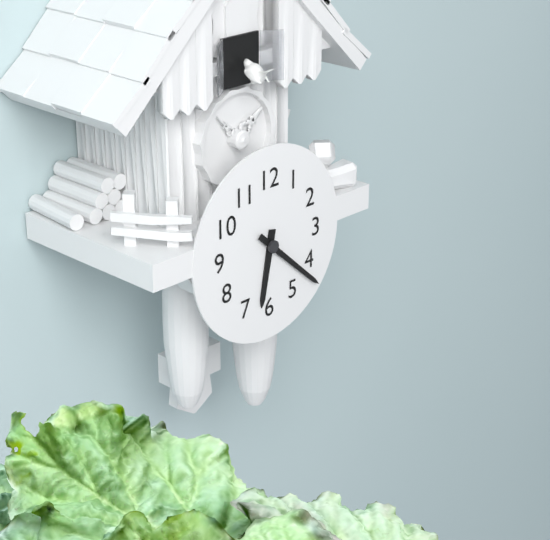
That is 6:22
